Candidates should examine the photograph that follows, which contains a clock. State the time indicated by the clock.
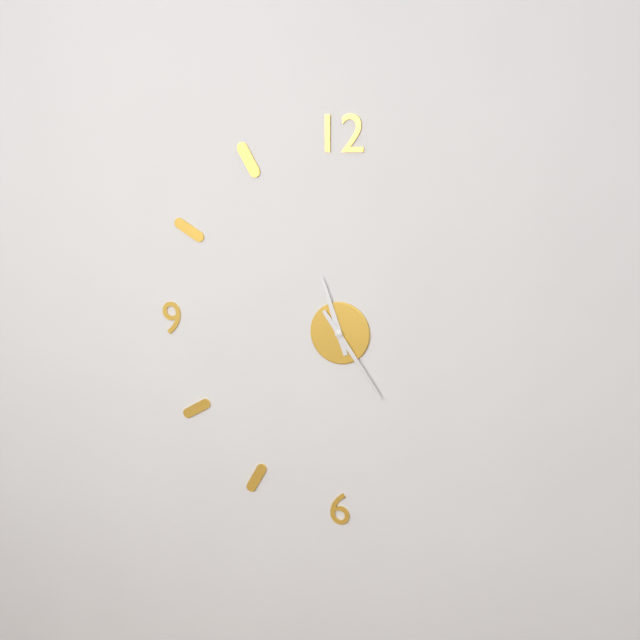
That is 11:24
